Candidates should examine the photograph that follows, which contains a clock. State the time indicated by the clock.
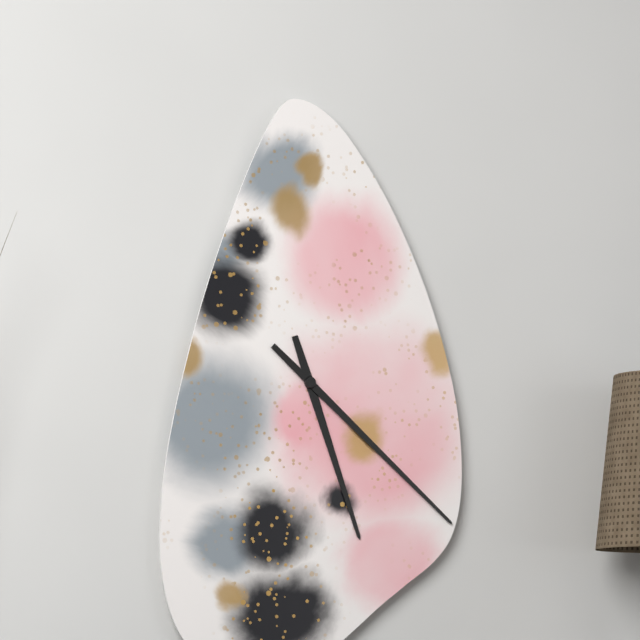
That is 5:22
